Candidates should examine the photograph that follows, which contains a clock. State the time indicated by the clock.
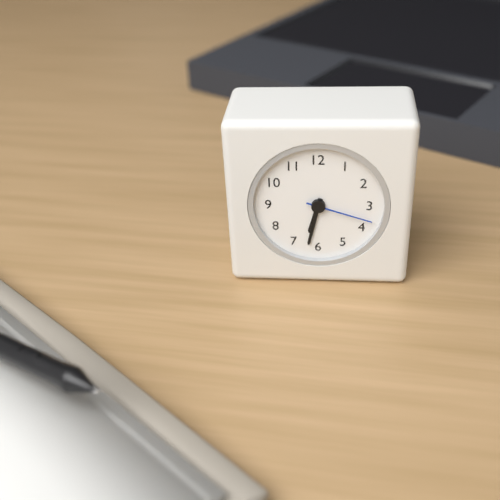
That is 6:32:18
